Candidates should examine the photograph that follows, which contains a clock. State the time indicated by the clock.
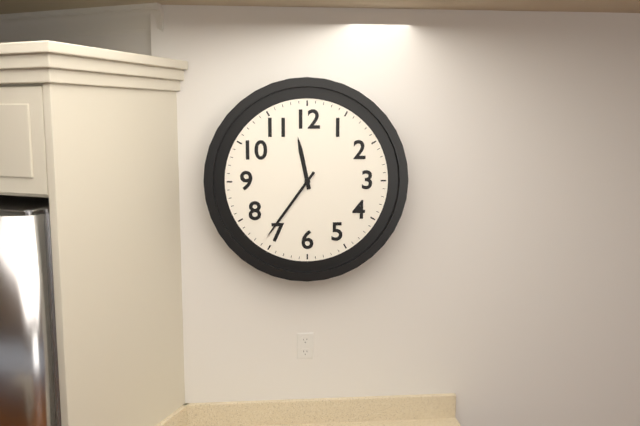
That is 11:36
